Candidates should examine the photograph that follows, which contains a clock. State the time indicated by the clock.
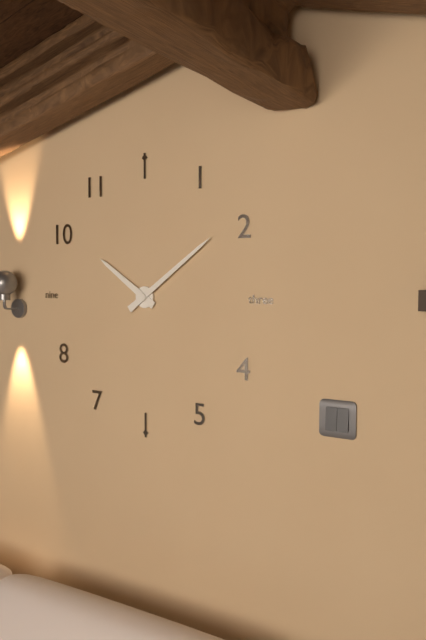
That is 10:09
